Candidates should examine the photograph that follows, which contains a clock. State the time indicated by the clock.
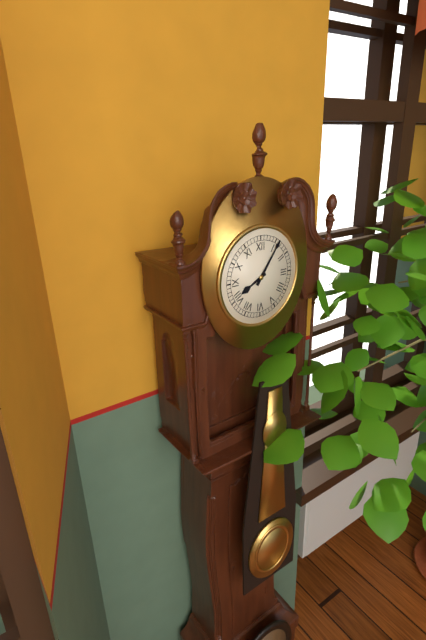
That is 8:06
